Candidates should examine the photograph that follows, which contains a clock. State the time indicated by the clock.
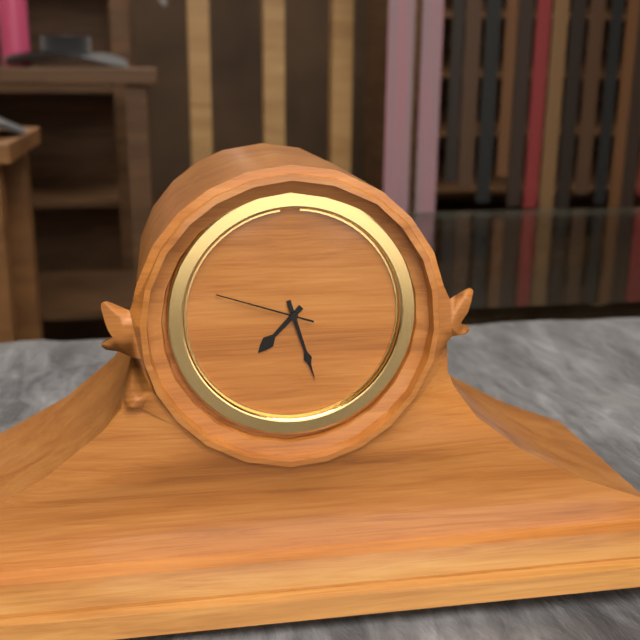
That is 7:27:48
